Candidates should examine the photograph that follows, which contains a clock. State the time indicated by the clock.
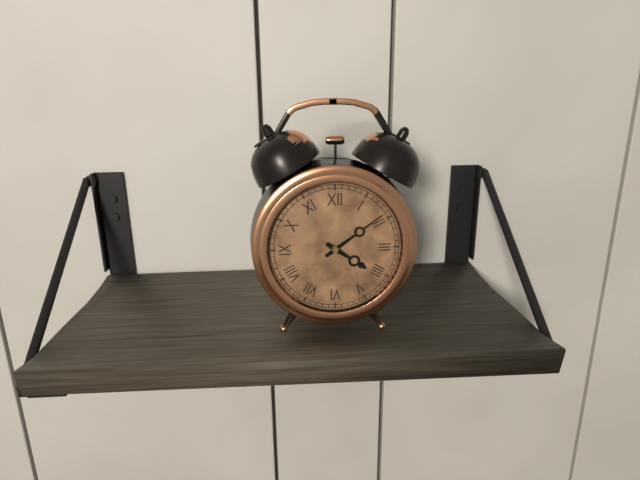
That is 4:09
